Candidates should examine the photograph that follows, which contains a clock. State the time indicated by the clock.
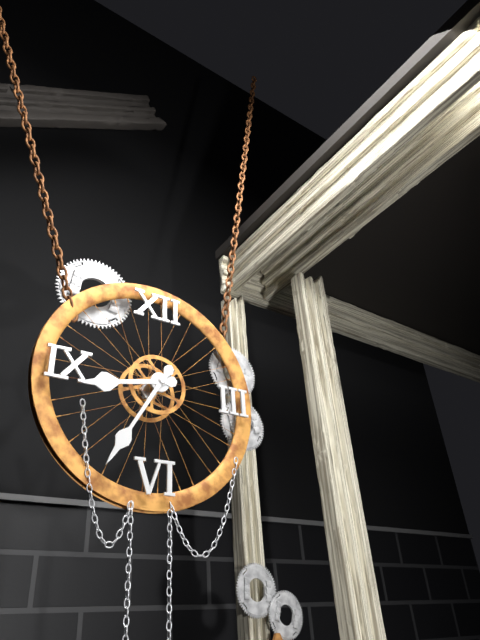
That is 8:35
